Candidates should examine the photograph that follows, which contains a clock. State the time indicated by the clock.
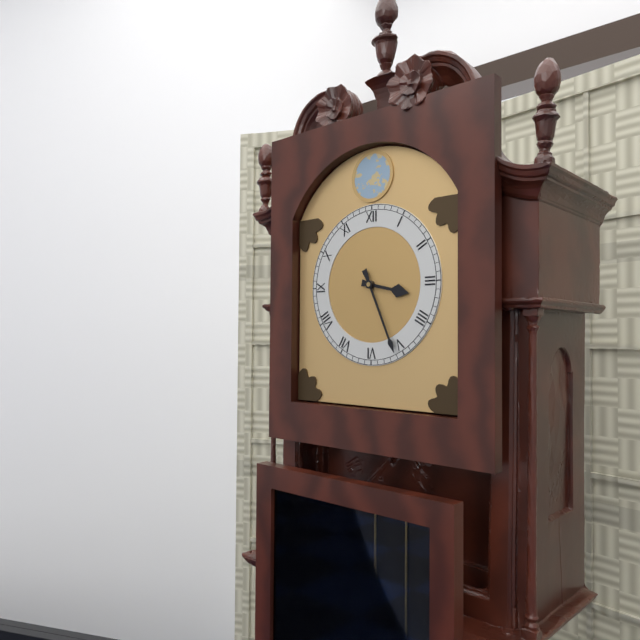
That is 3:26
